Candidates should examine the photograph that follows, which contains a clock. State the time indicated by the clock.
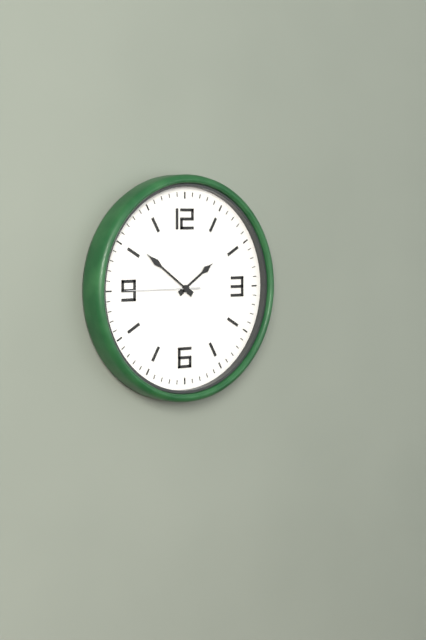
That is 1:51:45
